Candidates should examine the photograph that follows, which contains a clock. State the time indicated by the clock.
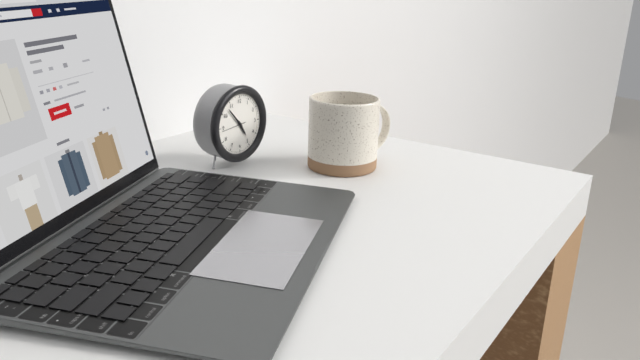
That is 4:53
